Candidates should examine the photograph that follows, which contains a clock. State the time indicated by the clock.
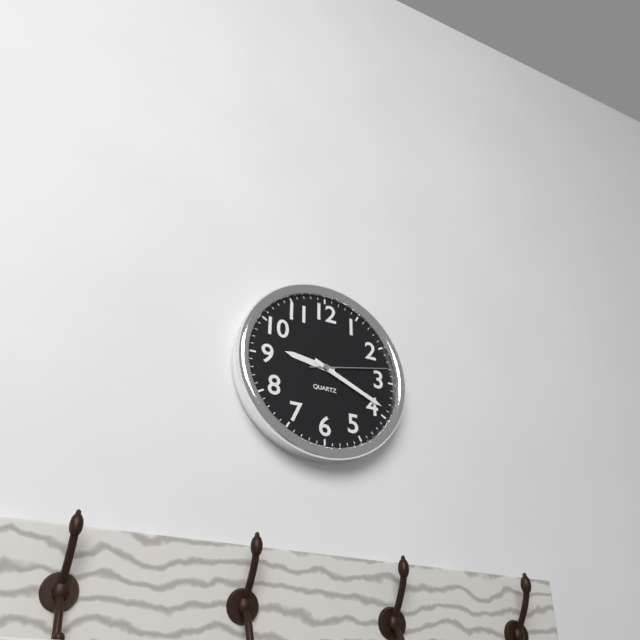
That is 9:19:13
